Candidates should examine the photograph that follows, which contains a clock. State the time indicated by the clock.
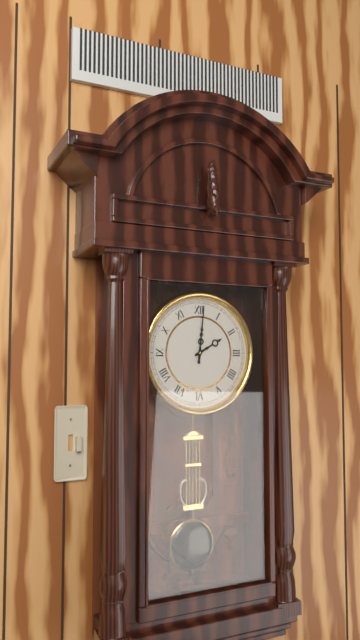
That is 2:01
